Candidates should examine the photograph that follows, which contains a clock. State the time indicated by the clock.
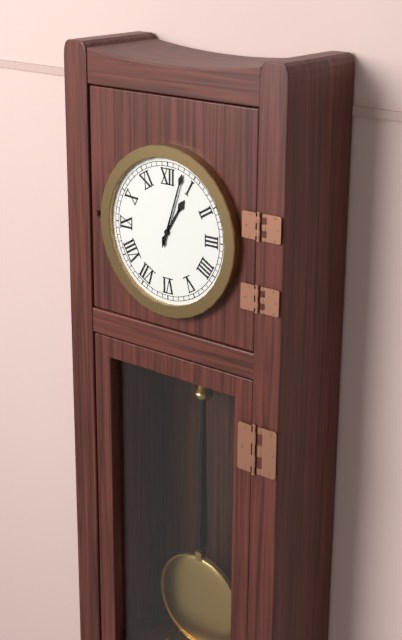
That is 1:03
